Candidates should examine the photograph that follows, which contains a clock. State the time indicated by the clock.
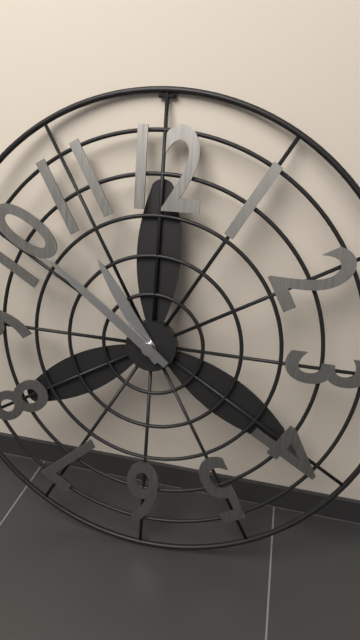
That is 10:51
